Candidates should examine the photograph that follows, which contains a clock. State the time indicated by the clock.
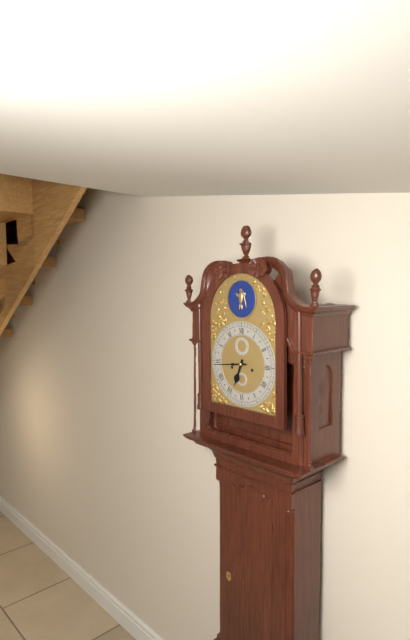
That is 6:44
